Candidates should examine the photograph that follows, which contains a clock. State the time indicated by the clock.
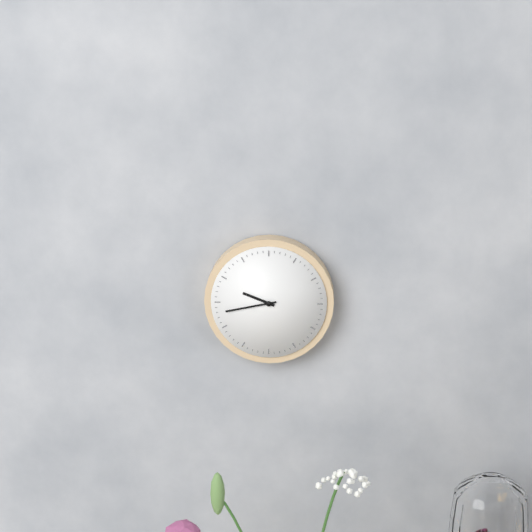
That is 9:43
